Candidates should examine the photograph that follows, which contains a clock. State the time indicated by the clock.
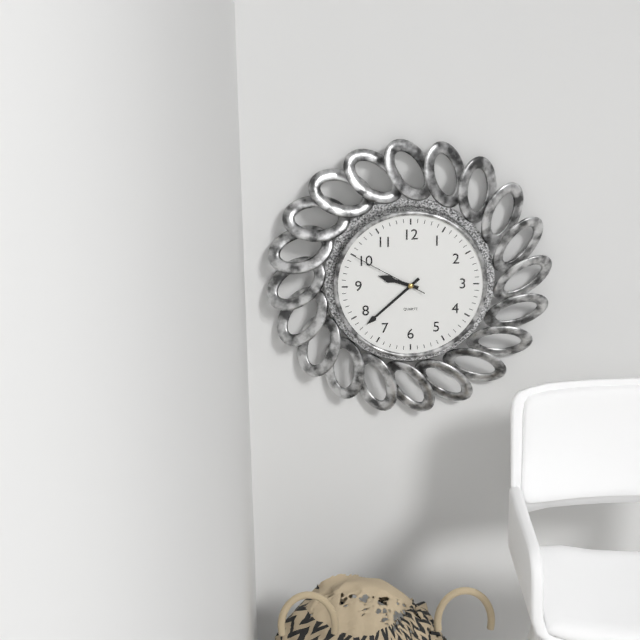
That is 9:38:50
